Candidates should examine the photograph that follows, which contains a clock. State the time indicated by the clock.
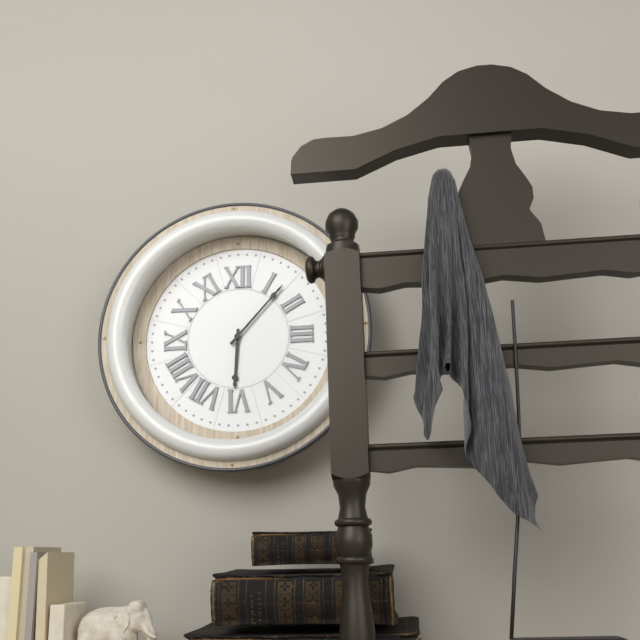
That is 6:07
